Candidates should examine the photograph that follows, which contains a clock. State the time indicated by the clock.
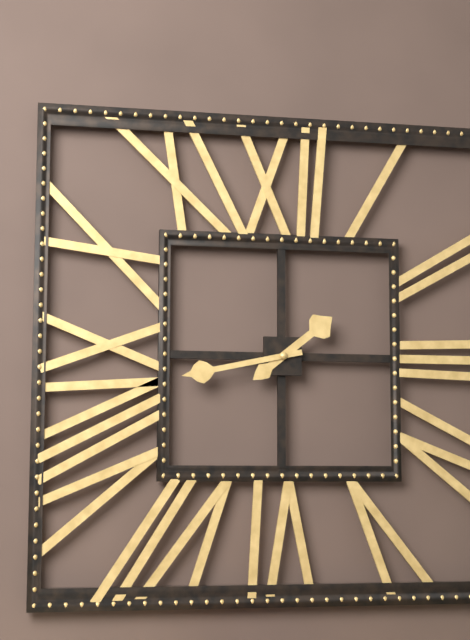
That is 1:43
